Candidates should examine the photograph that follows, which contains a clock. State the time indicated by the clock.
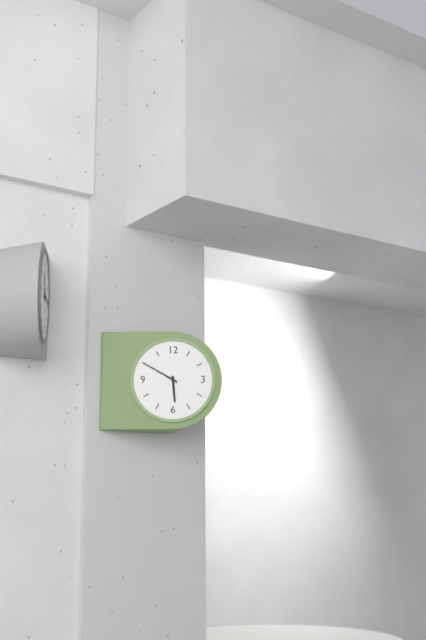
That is 5:50
